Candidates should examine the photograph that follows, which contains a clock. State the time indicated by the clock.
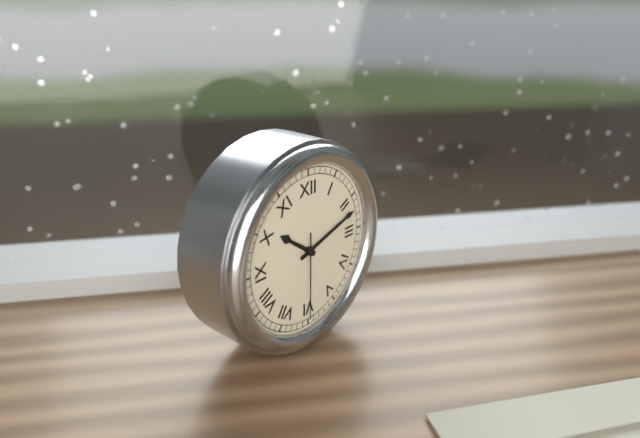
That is 10:12:30
